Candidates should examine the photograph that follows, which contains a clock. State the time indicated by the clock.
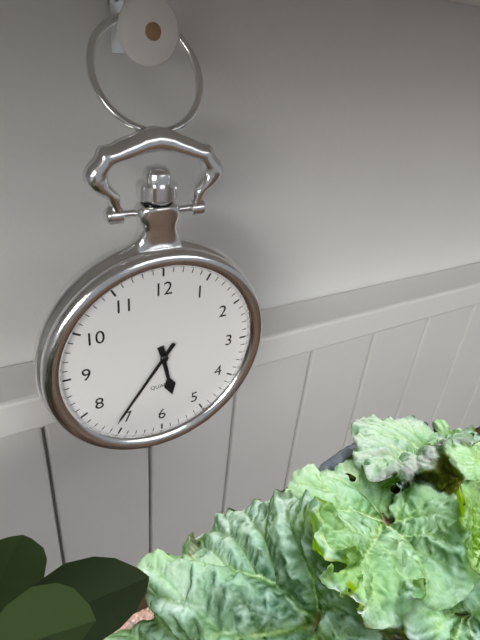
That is 5:36
